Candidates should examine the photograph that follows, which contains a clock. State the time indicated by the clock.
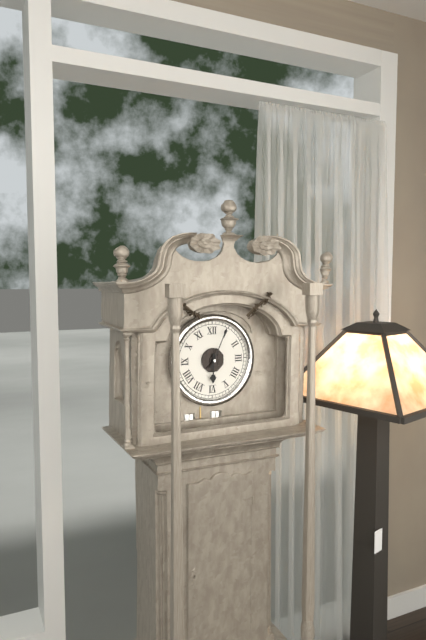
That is 6:04
